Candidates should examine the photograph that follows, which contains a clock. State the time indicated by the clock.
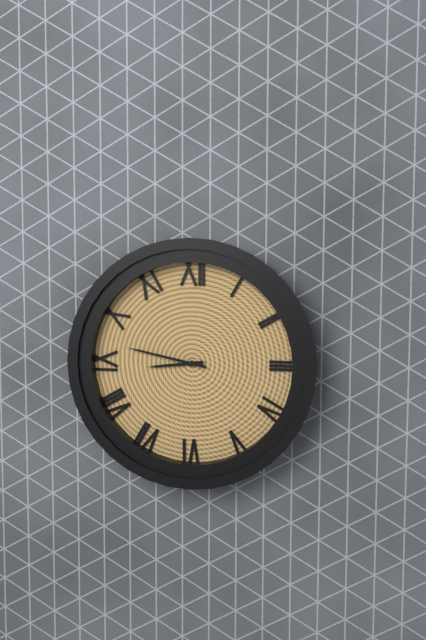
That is 8:47
